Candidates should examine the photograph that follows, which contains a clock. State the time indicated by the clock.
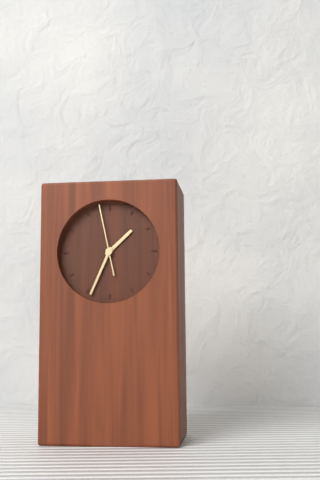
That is 1:34:58
